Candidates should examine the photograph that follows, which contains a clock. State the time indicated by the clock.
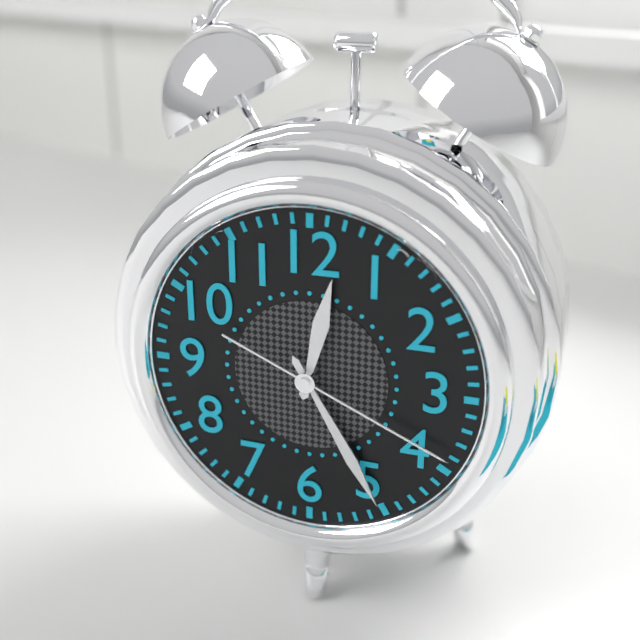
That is 12:25:19
